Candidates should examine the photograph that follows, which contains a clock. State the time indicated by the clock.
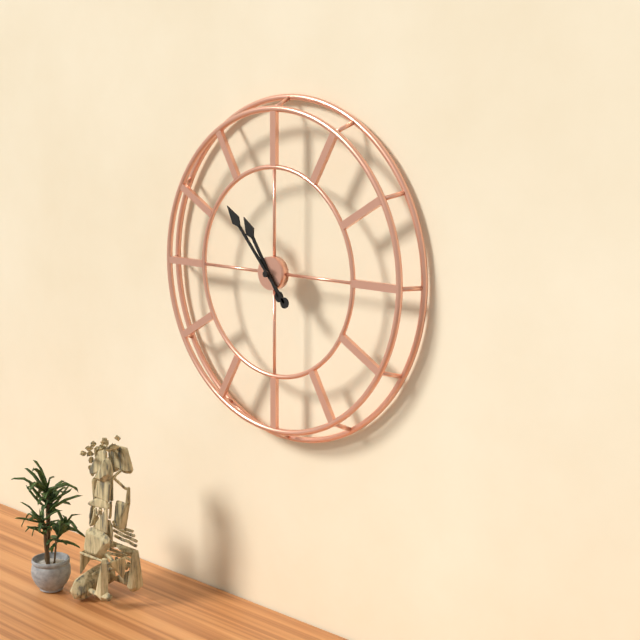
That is 10:53
